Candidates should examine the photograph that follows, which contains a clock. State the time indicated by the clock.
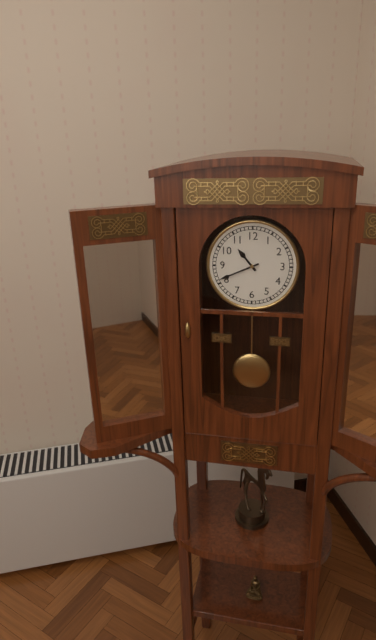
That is 10:41
